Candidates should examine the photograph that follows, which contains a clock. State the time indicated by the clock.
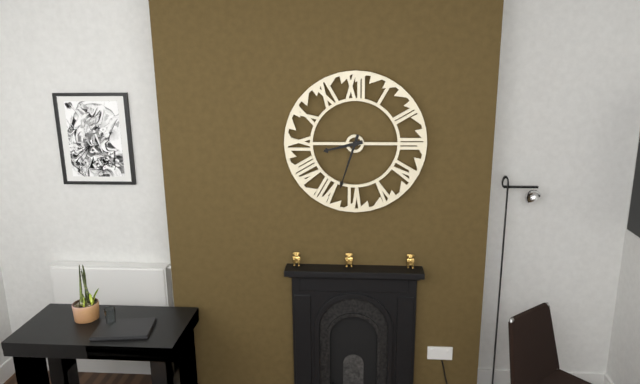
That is 8:33
